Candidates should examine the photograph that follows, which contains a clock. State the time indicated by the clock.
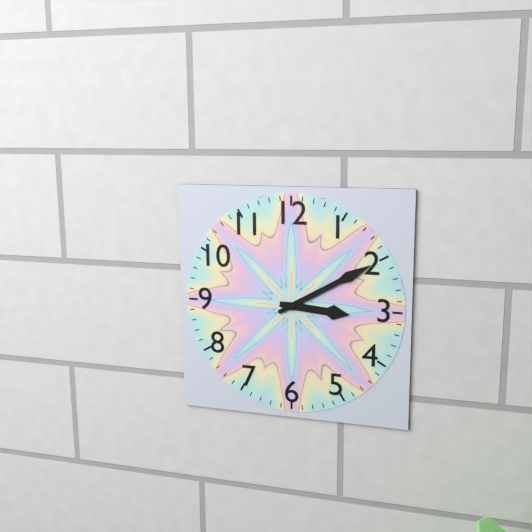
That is 3:10
